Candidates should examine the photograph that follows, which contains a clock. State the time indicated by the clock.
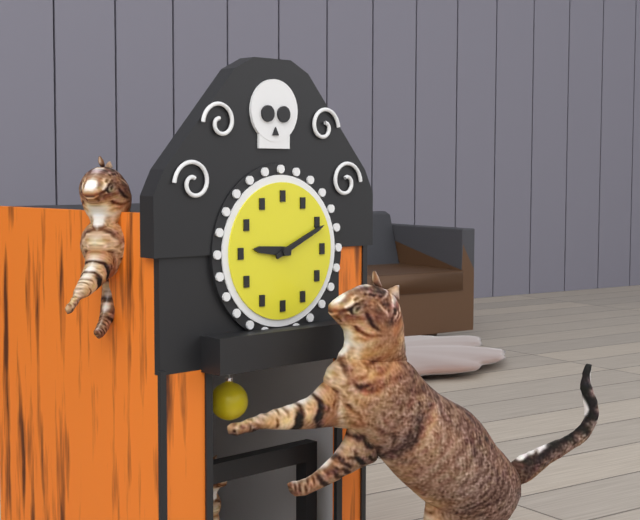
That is 9:11
